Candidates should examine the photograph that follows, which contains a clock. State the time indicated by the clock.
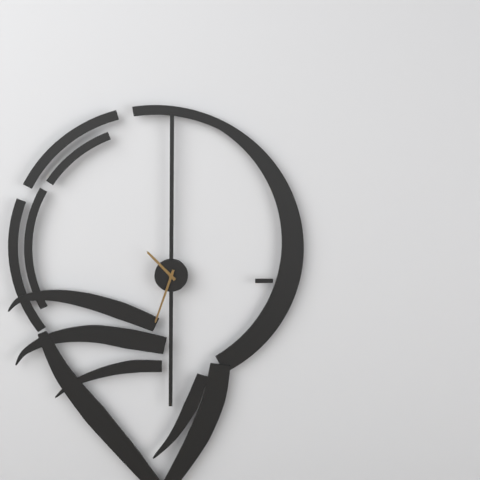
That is 10:33
